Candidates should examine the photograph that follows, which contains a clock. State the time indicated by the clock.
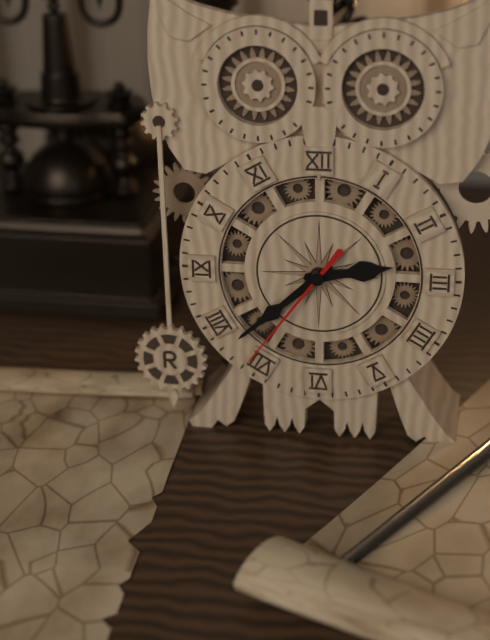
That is 2:38:36
